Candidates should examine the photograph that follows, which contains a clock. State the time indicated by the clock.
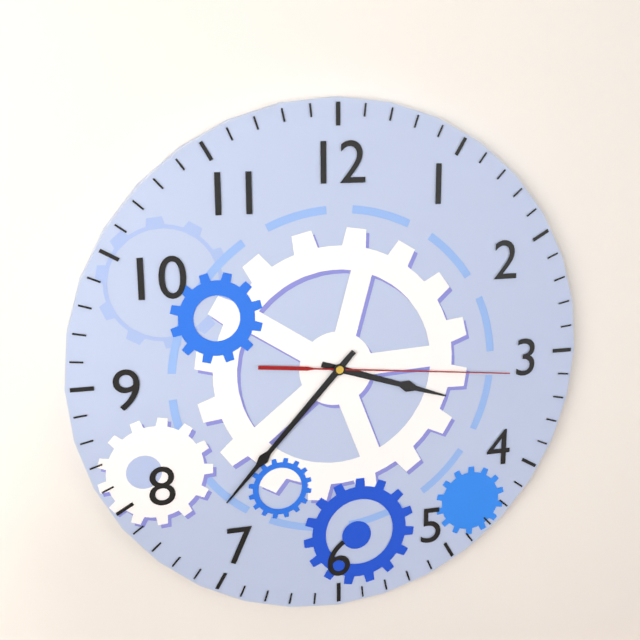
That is 3:37:16
